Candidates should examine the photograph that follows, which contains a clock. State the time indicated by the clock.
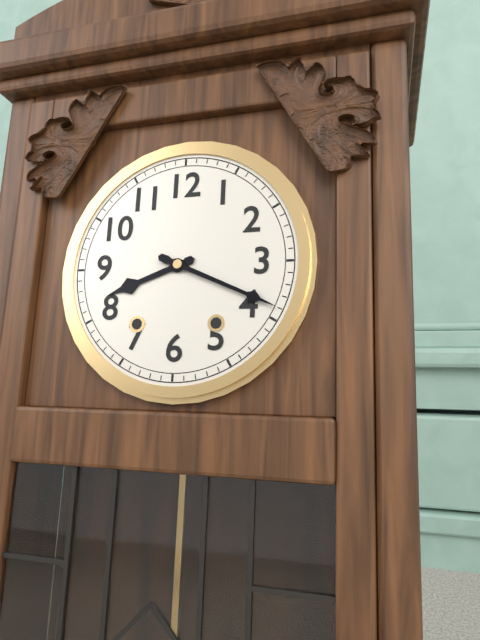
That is 8:19
